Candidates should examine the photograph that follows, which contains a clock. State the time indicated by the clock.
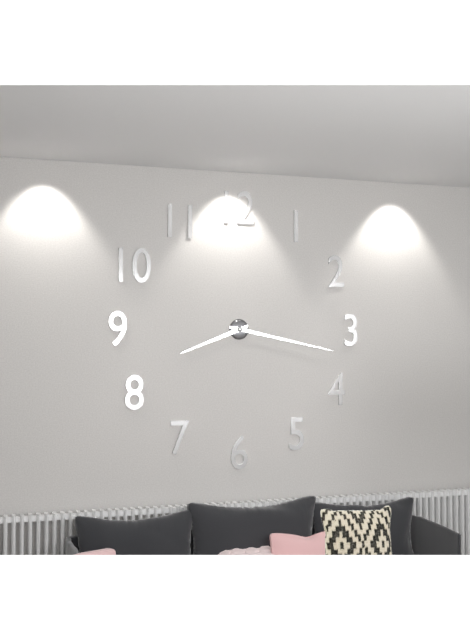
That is 8:17
